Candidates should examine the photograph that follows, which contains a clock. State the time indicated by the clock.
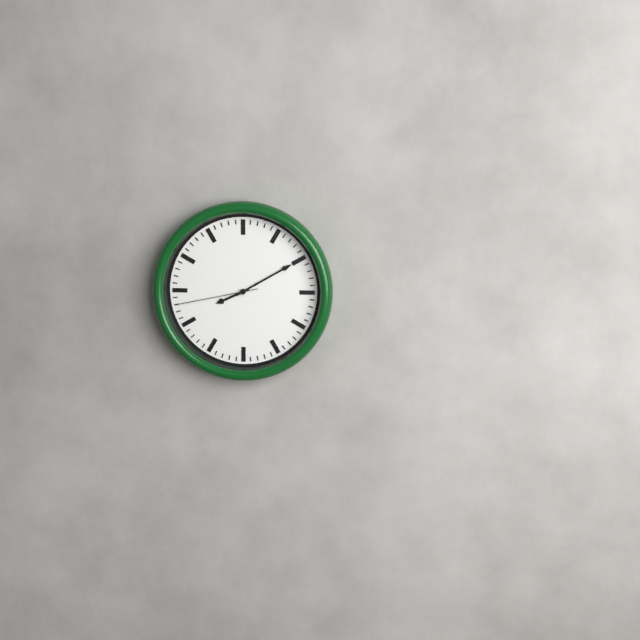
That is 8:10:43
